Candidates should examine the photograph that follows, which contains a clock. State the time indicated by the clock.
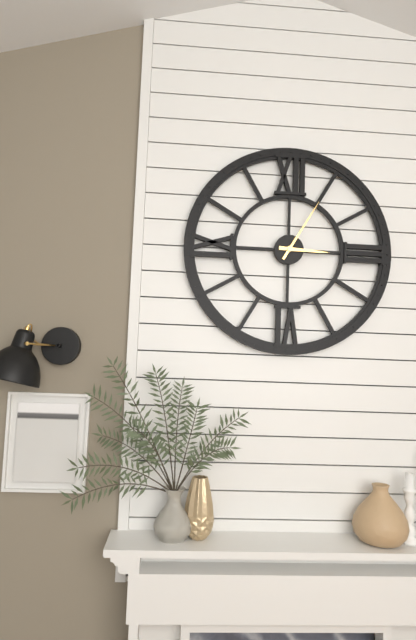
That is 3:05
